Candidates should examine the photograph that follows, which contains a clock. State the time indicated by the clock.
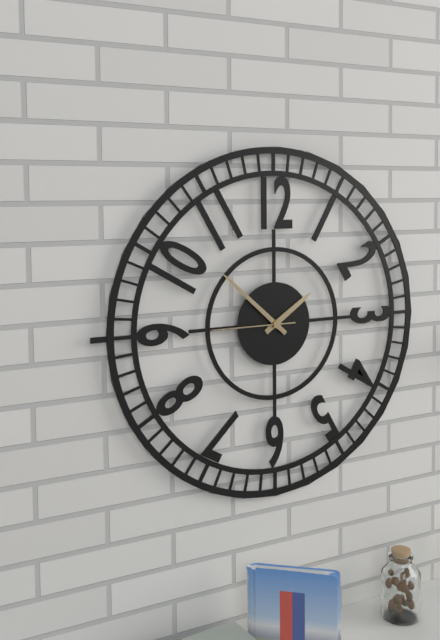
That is 1:52:45
